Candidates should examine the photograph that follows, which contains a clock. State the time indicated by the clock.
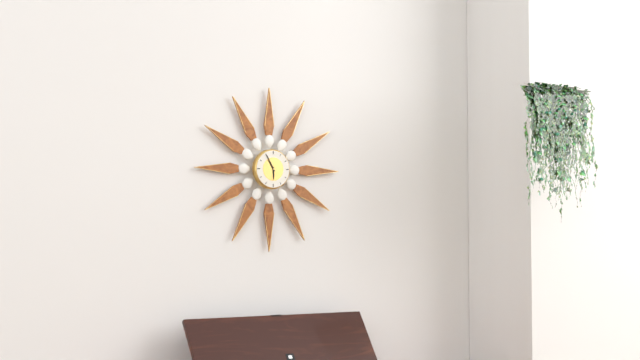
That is 5:55
